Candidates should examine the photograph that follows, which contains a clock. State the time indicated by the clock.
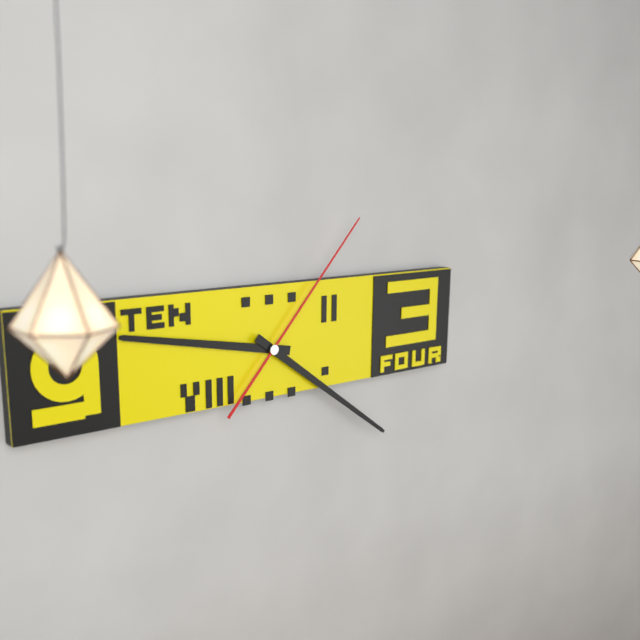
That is 9:21:07
